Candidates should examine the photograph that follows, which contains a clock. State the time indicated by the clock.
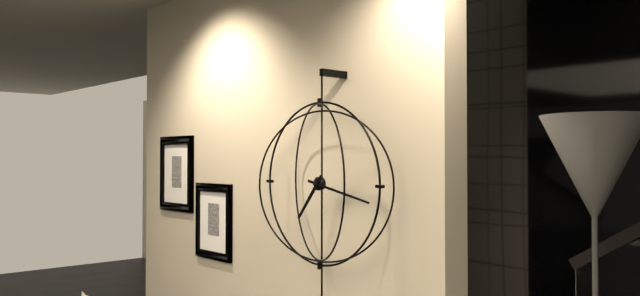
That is 7:17
